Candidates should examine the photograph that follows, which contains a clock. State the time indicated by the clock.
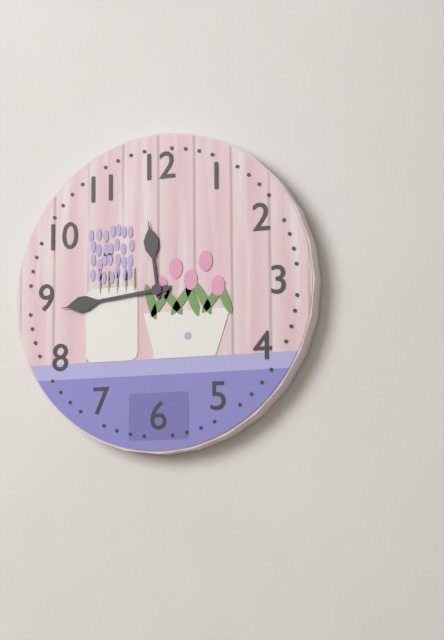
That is 11:44
